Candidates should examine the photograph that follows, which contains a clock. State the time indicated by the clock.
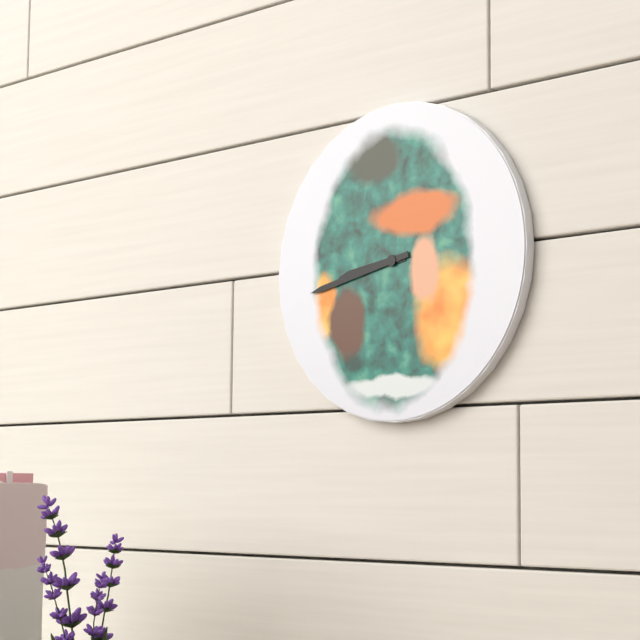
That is 8:43
